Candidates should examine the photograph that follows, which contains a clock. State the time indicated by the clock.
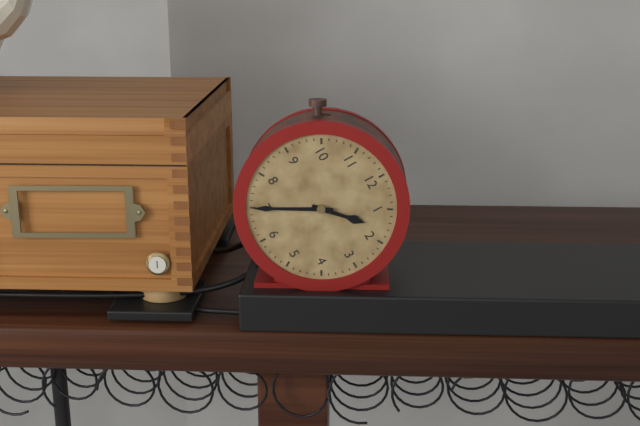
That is 1:35
